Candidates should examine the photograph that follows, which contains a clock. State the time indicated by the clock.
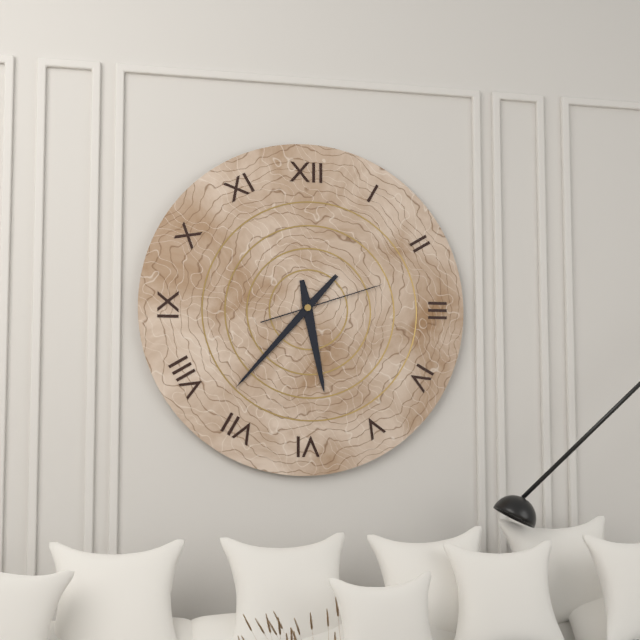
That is 5:37:12
